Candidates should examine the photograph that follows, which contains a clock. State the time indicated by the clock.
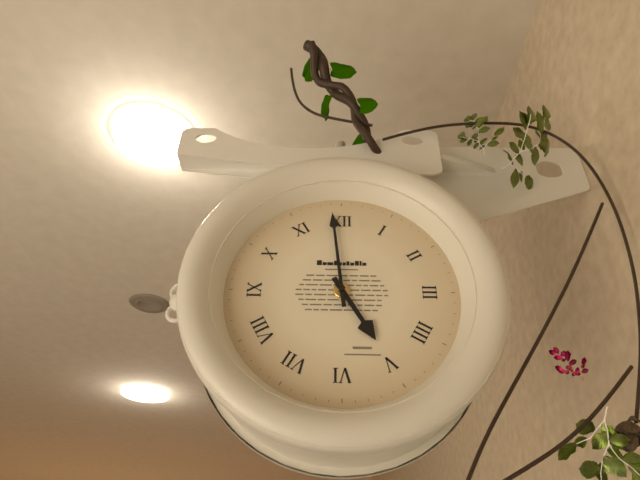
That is 4:59
